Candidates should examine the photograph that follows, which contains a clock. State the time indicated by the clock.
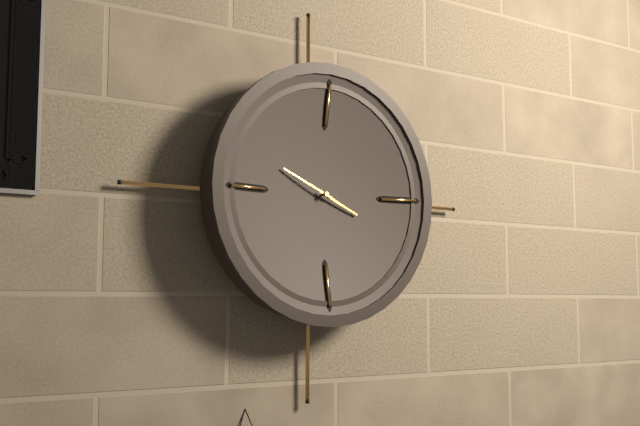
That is 3:49
